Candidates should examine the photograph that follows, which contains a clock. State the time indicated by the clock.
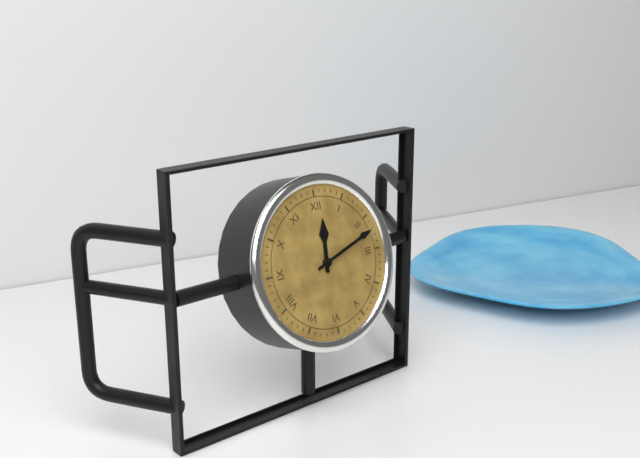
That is 12:12
